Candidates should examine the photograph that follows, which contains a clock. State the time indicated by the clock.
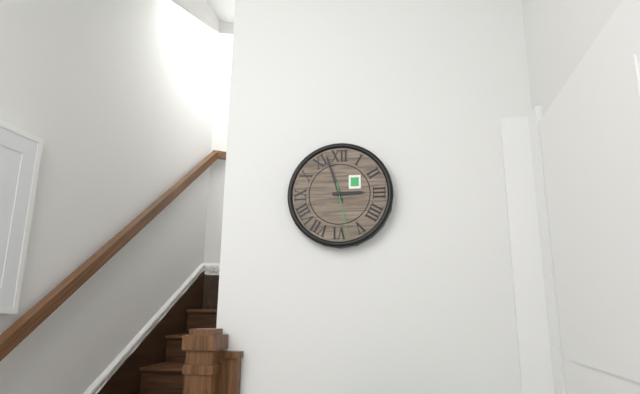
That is 2:57:28
